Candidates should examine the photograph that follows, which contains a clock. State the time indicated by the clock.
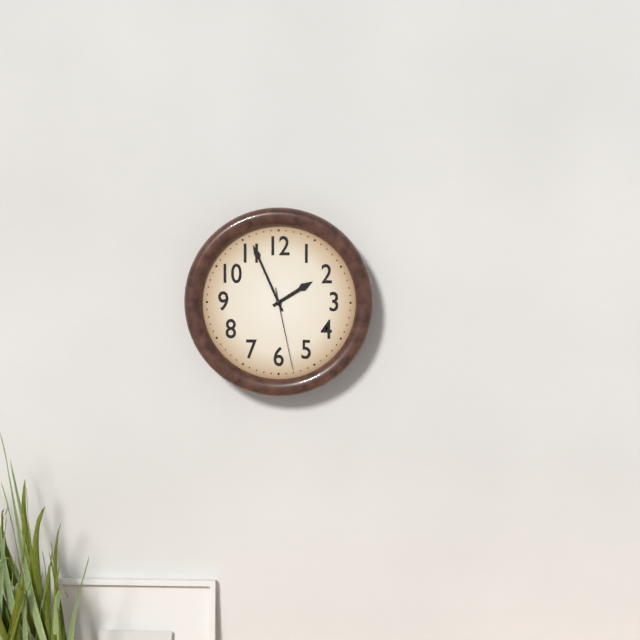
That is 1:56:28
